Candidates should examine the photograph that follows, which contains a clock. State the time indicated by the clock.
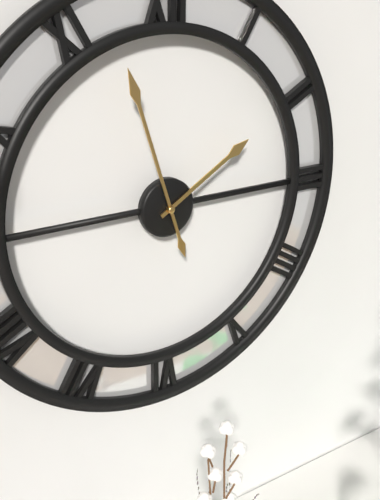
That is 1:57
